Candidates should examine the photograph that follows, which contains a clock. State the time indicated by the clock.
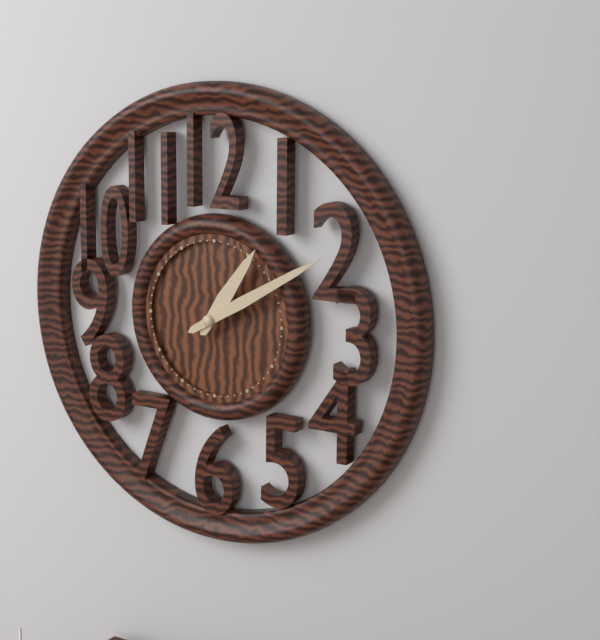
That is 1:10
